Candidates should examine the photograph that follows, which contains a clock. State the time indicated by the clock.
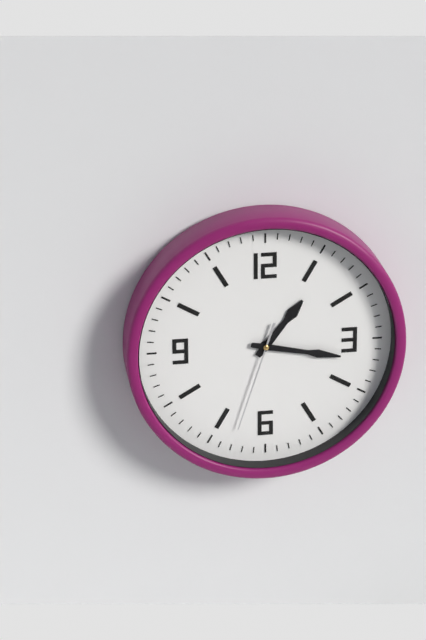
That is 1:17:33
